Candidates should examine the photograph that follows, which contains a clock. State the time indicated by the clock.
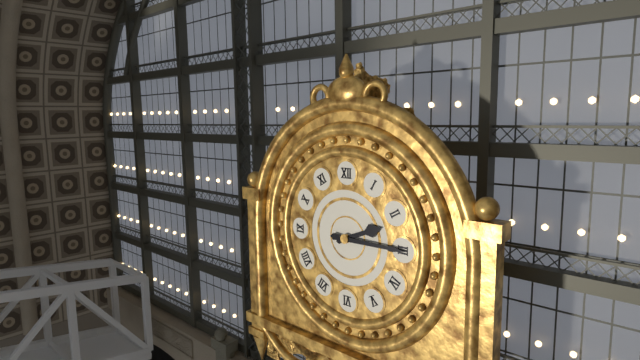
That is 2:15
